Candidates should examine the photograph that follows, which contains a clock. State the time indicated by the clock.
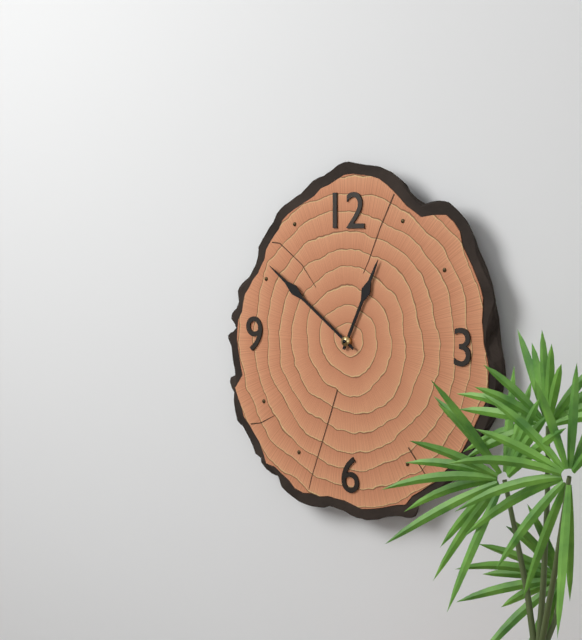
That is 12:51
